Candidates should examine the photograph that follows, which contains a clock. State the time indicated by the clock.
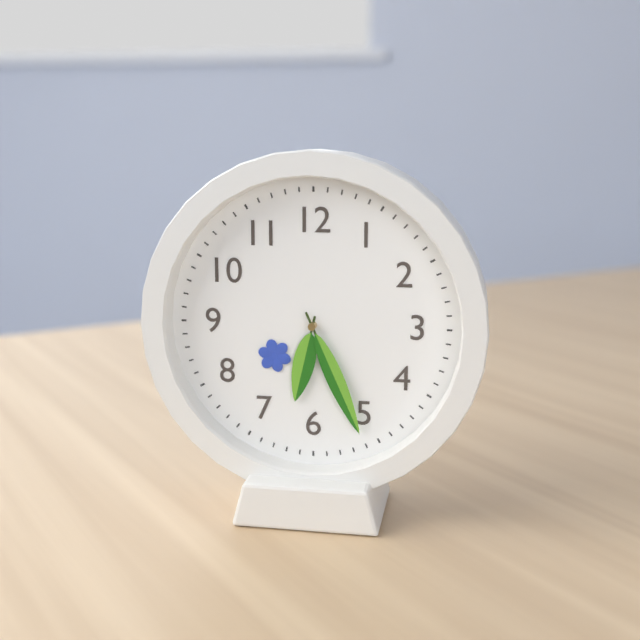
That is 6:26
